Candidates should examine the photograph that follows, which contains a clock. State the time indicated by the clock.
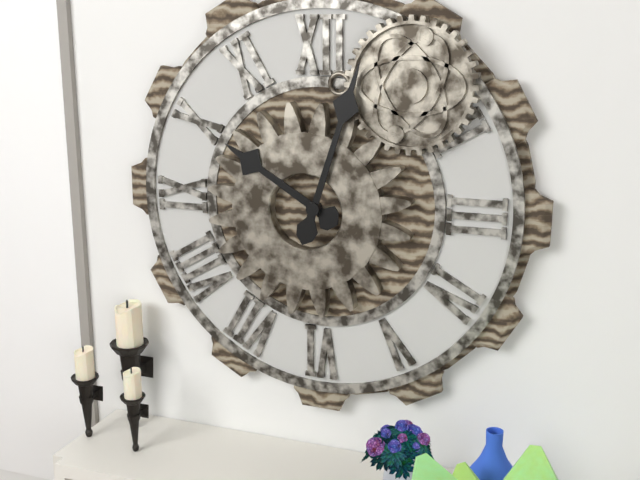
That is 10:03
